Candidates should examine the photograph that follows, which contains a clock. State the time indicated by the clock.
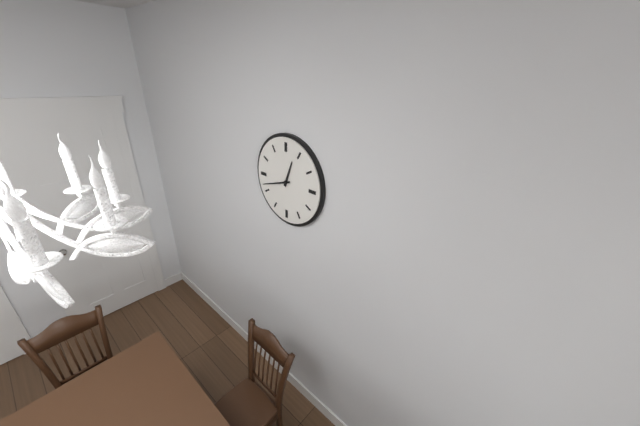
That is 12:42
